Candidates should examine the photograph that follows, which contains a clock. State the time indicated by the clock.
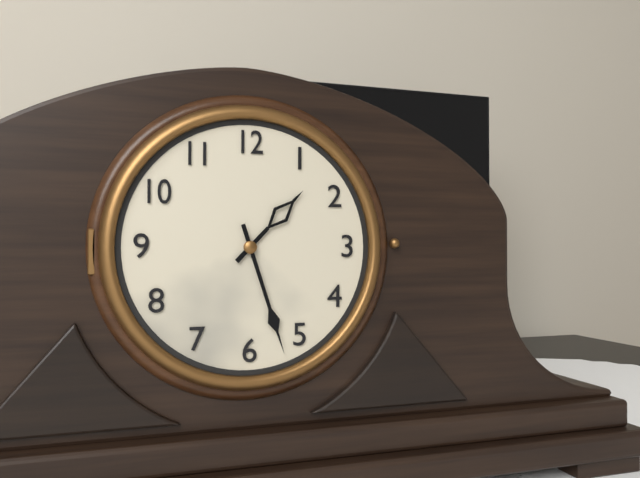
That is 1:27
